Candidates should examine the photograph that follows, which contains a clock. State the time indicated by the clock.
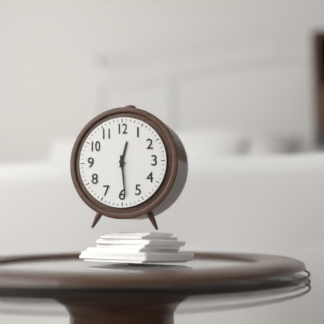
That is 12:29
